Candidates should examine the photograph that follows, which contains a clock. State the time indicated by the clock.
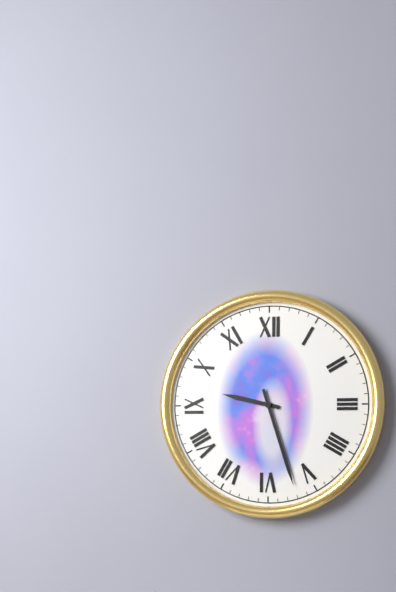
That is 9:27
